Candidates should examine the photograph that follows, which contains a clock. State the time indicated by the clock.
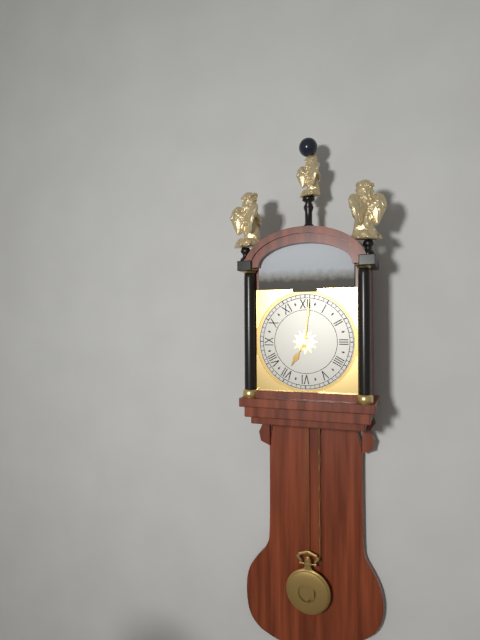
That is 7:01
